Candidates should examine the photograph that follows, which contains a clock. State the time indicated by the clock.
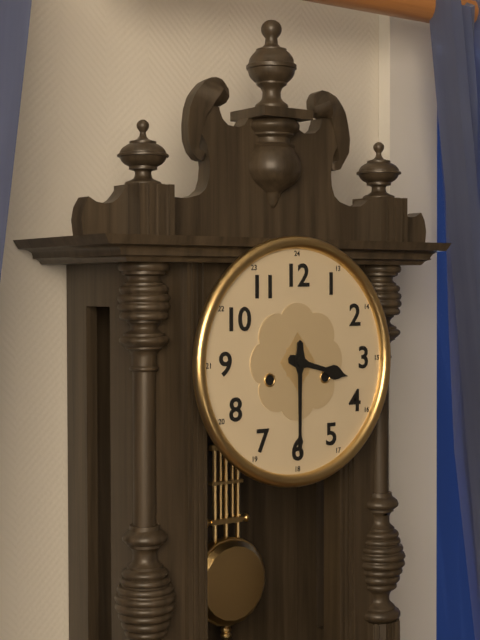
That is 3:30
